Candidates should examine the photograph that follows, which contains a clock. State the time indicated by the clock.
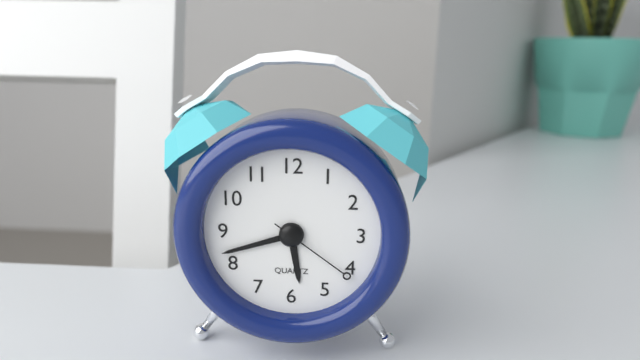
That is 5:42:21
